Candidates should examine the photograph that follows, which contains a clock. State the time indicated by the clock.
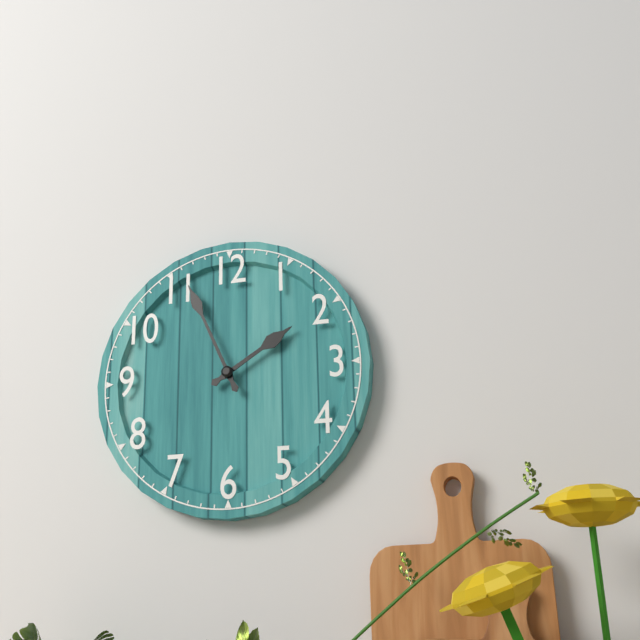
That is 1:56
